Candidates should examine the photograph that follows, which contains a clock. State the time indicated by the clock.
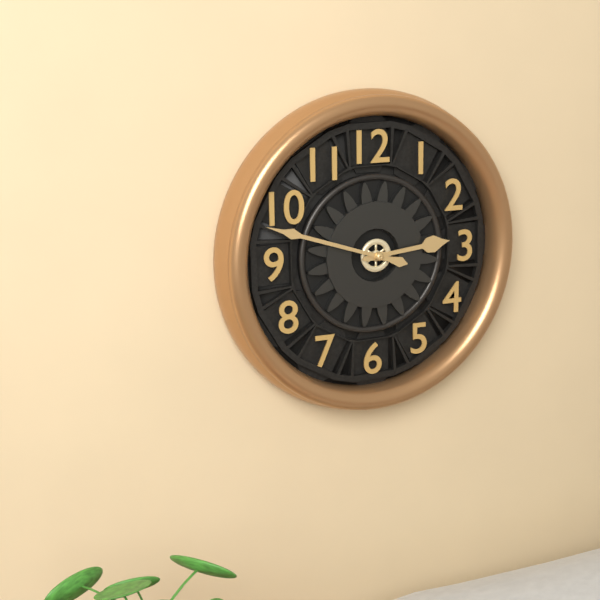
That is 2:48
